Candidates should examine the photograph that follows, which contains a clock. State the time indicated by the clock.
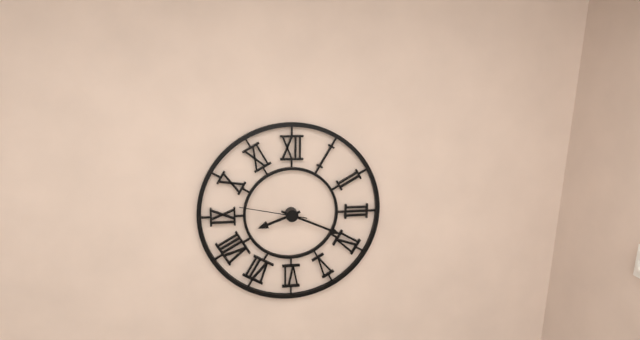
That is 8:19:47
